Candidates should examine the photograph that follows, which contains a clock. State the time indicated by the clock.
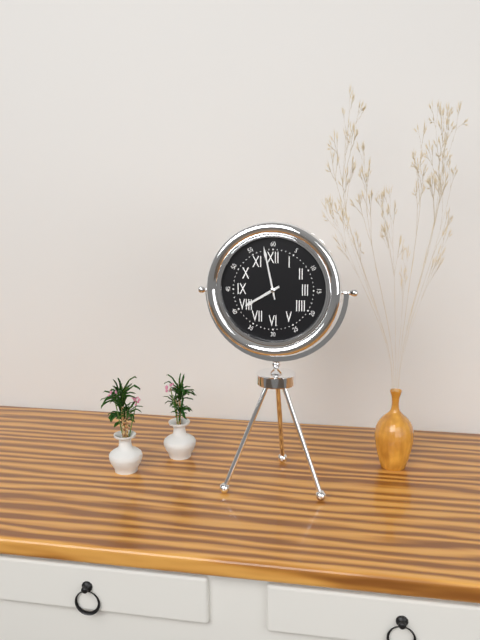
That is 7:58
